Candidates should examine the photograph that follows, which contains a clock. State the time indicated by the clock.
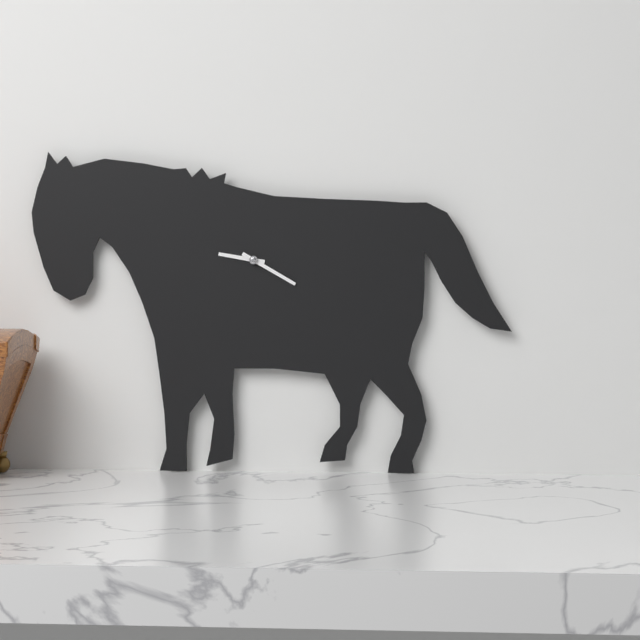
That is 9:20
